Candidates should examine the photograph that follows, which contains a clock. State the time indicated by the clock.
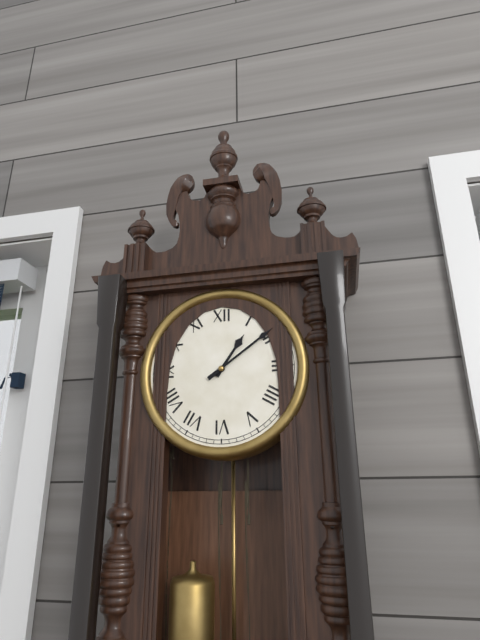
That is 1:09
